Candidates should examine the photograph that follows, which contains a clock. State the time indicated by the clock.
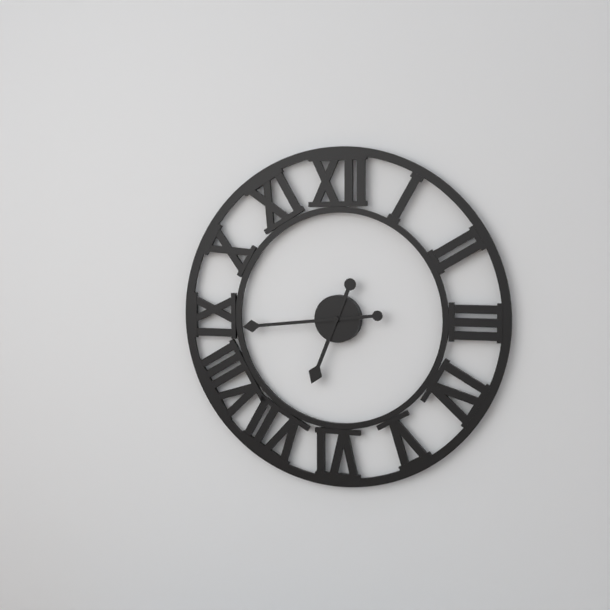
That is 6:44
